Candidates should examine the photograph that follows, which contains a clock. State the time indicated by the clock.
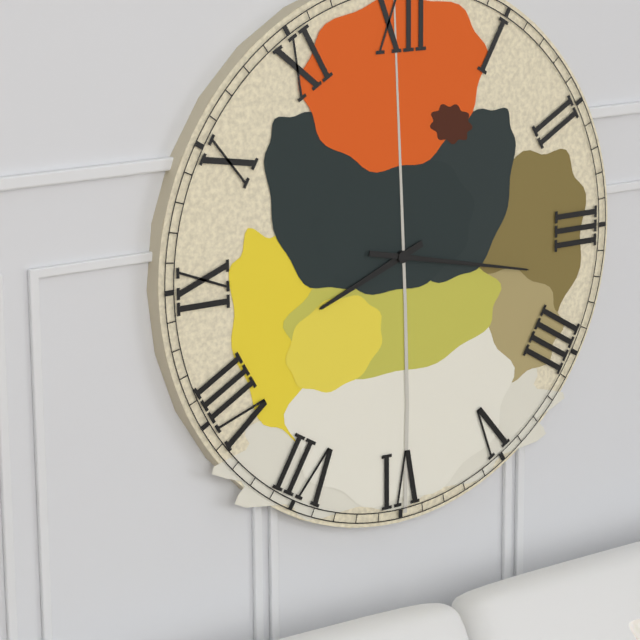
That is 8:17
